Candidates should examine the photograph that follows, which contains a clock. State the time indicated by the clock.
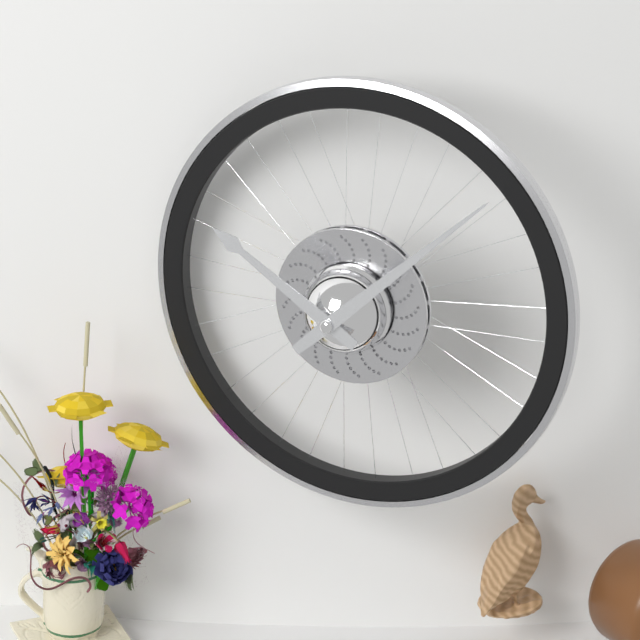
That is 10:08
